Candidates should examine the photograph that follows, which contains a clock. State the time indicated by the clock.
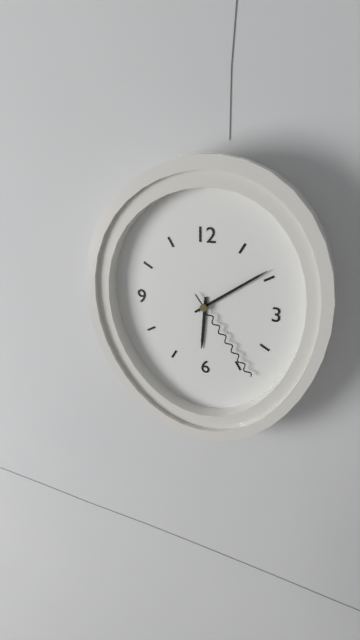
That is 6:09:24
